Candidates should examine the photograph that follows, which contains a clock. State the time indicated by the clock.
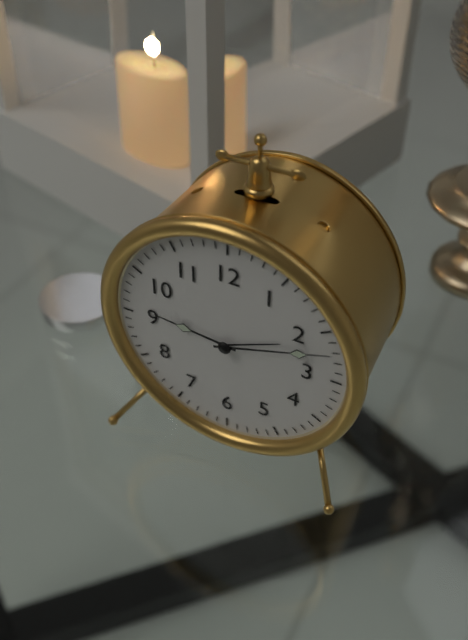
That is 9:12
